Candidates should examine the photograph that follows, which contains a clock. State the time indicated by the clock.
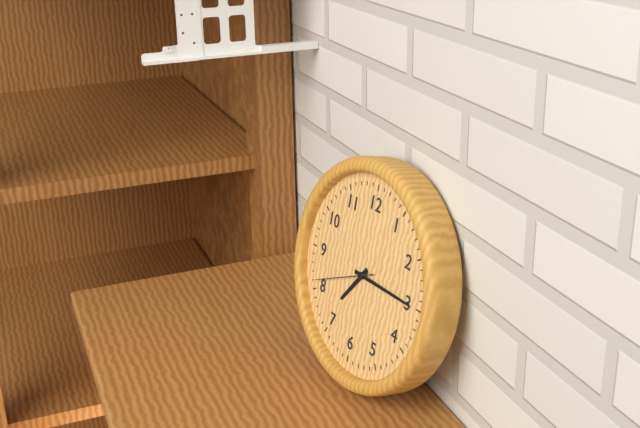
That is 7:15:41
